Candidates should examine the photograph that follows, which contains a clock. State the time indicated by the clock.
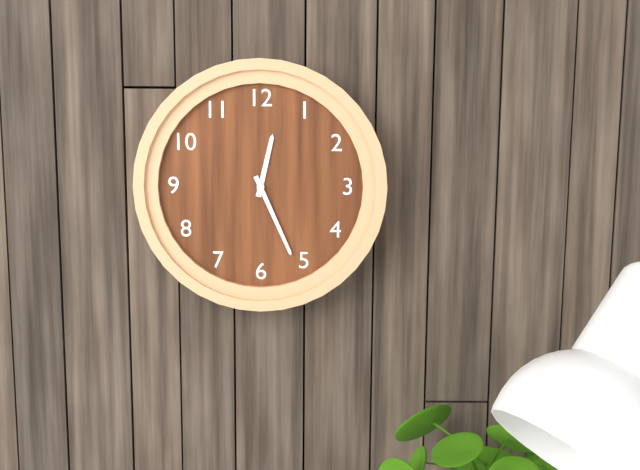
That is 12:26
